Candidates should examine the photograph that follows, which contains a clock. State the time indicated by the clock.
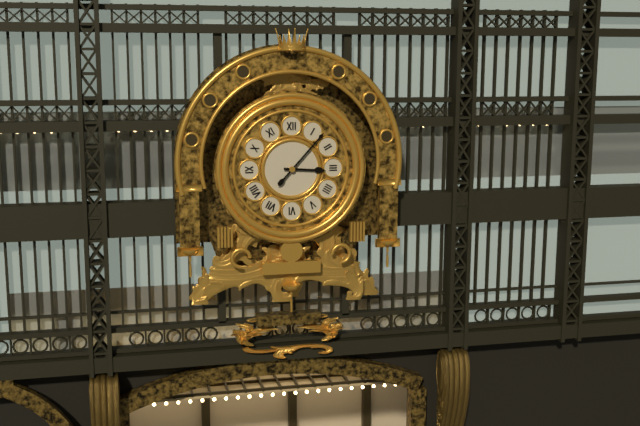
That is 3:07
